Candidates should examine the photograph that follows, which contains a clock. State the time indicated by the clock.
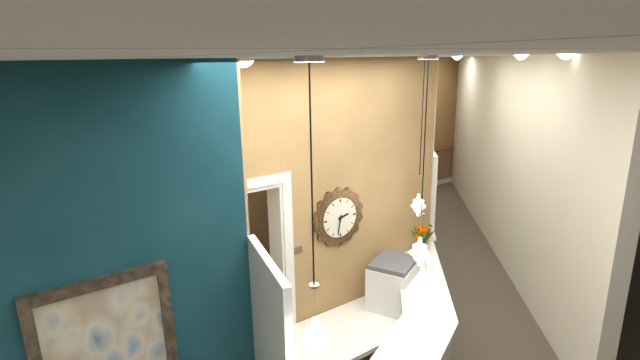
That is 2:32
